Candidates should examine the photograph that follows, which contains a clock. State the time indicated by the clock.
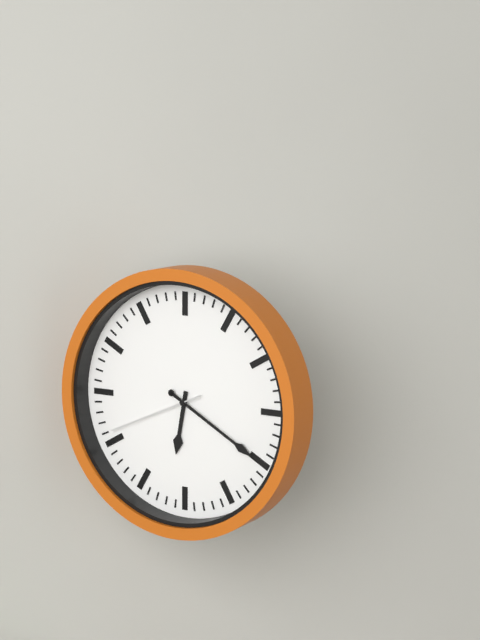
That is 6:20:41
